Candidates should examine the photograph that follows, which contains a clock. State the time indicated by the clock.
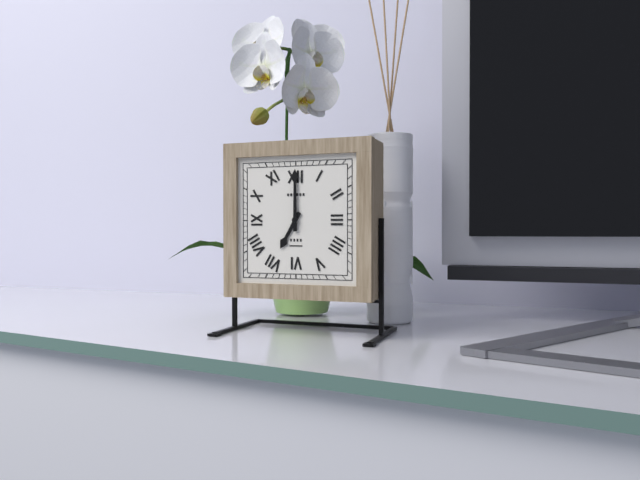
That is 7:00
